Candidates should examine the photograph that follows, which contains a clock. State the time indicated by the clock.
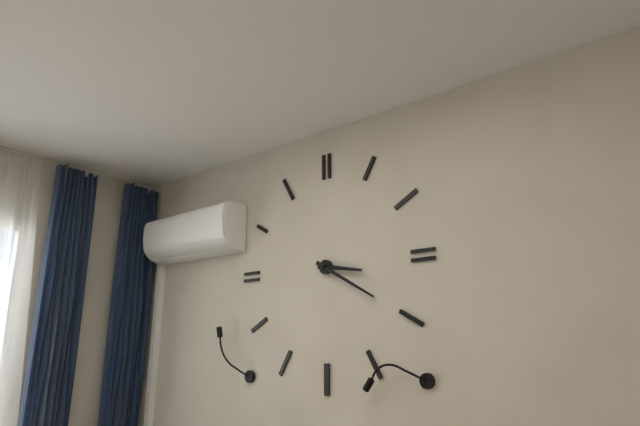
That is 3:20
